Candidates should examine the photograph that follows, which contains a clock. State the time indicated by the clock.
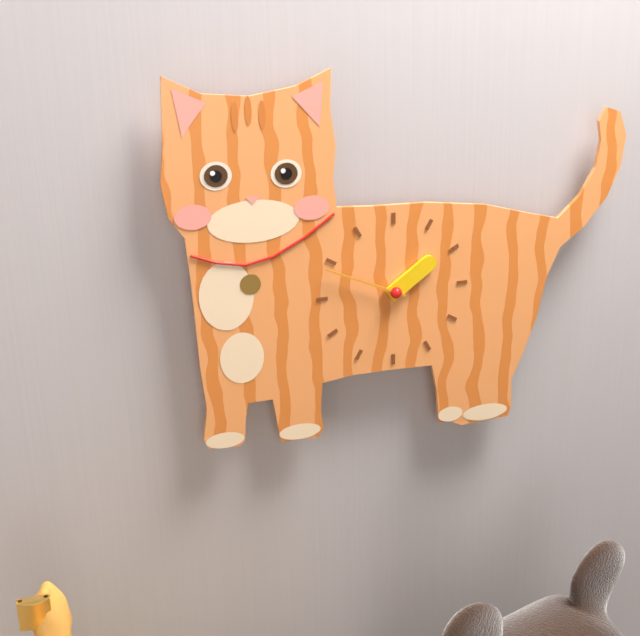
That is 1:49
